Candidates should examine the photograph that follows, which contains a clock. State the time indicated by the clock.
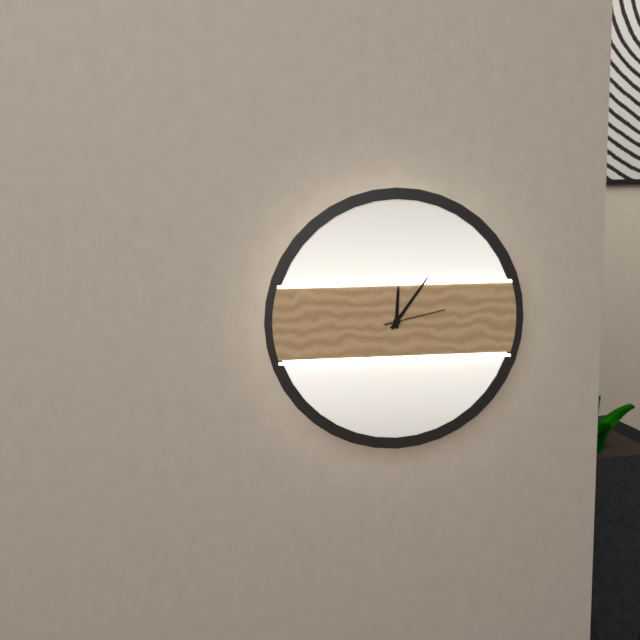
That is 12:06:13
